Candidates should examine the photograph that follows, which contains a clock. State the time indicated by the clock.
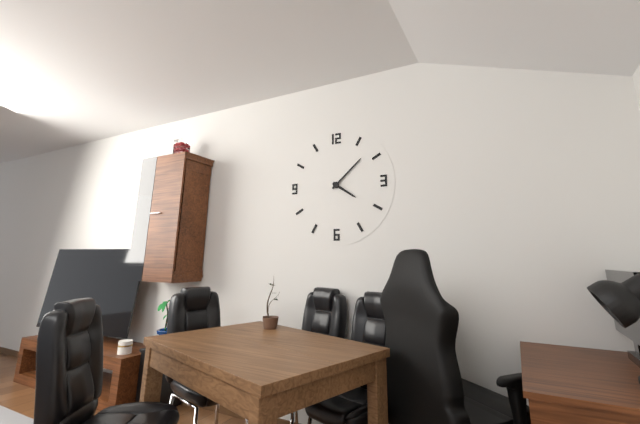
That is 4:08
